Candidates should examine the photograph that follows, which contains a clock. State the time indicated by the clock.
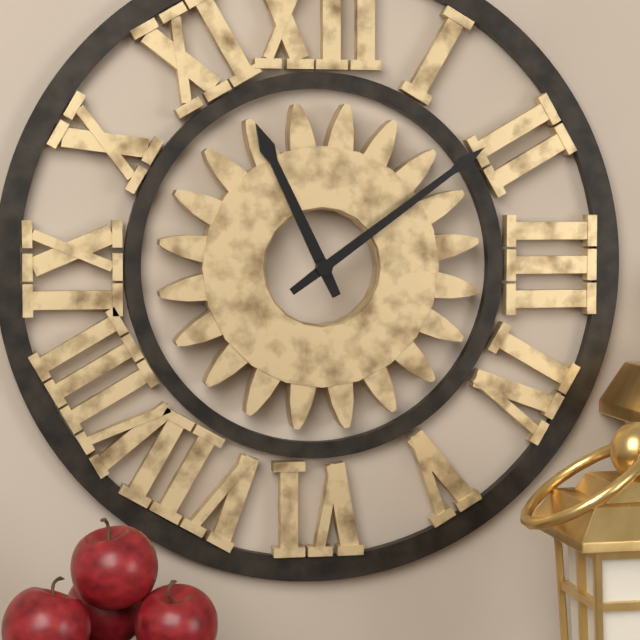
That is 11:09
